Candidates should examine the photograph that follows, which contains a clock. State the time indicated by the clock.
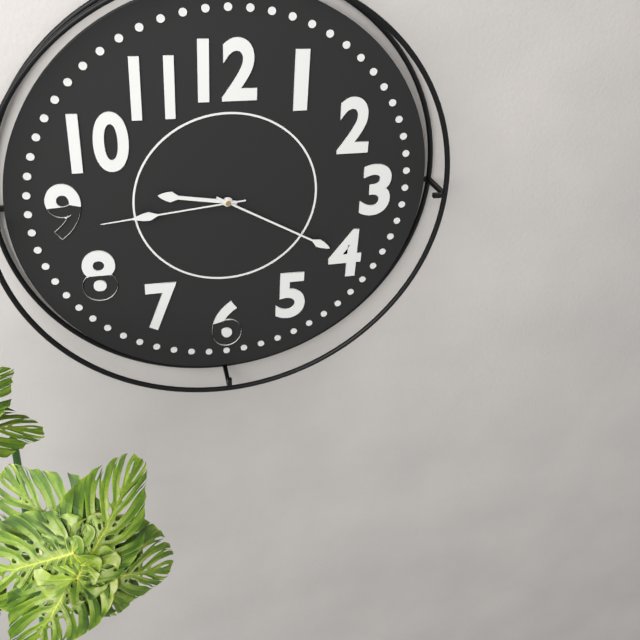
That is 9:20:44
